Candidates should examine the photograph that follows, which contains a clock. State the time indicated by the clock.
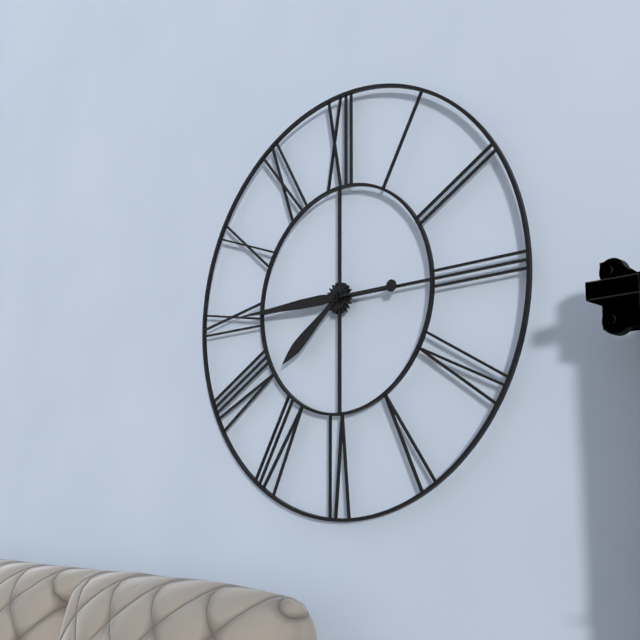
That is 7:45
